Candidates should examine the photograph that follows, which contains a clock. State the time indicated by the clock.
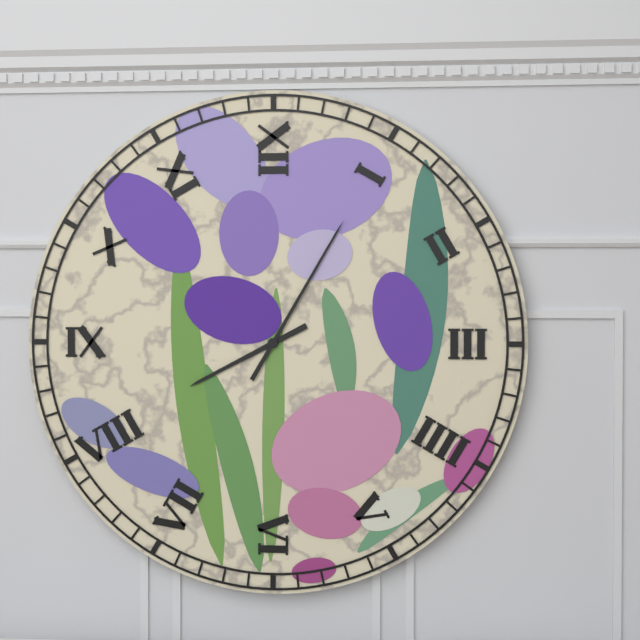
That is 8:05
